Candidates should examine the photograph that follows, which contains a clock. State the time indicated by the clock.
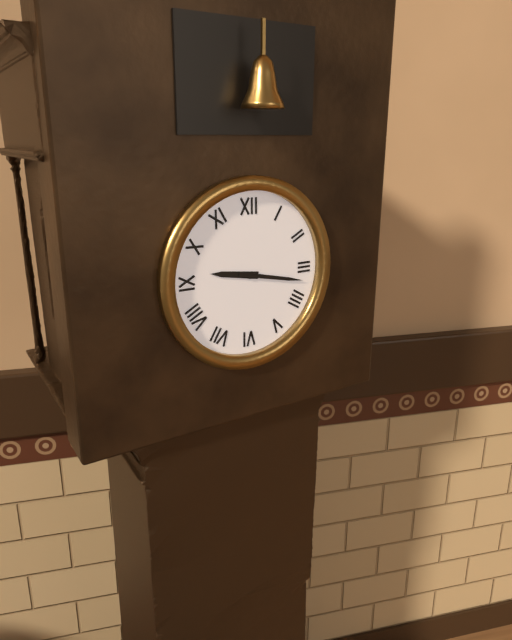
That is 9:17
